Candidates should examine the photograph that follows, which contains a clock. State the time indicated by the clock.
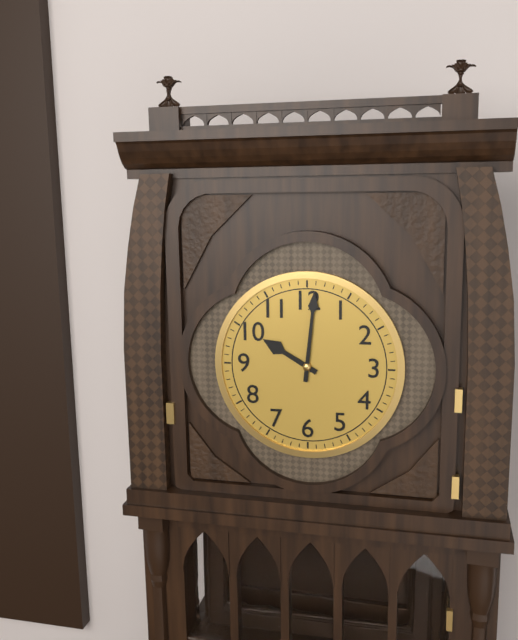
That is 10:01
